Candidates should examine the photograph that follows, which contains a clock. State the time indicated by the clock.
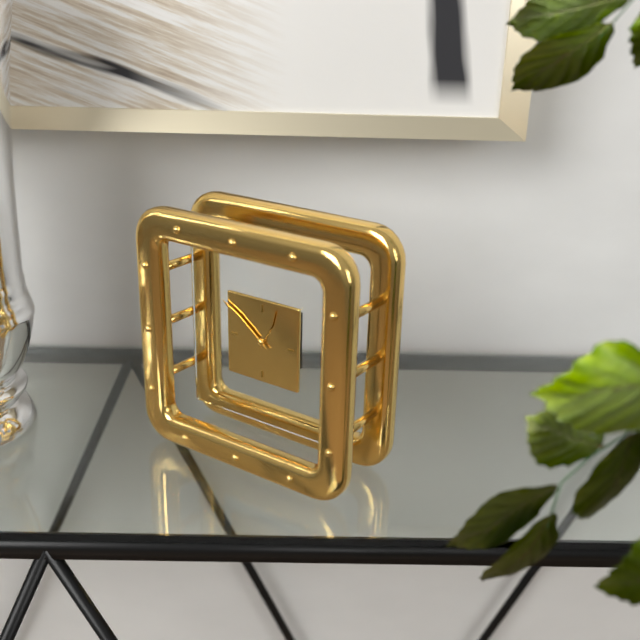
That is 12:51
